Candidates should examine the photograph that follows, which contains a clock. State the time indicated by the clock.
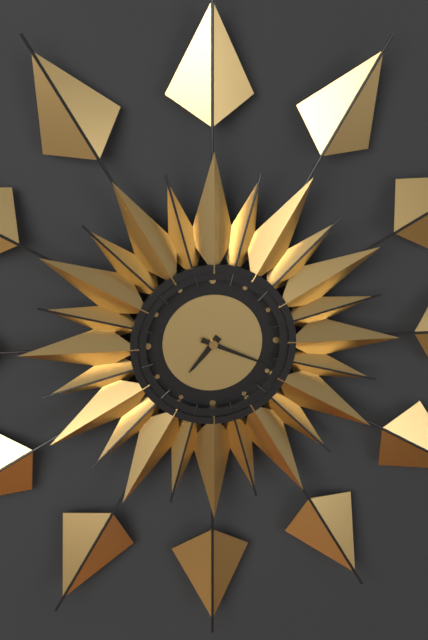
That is 7:19
